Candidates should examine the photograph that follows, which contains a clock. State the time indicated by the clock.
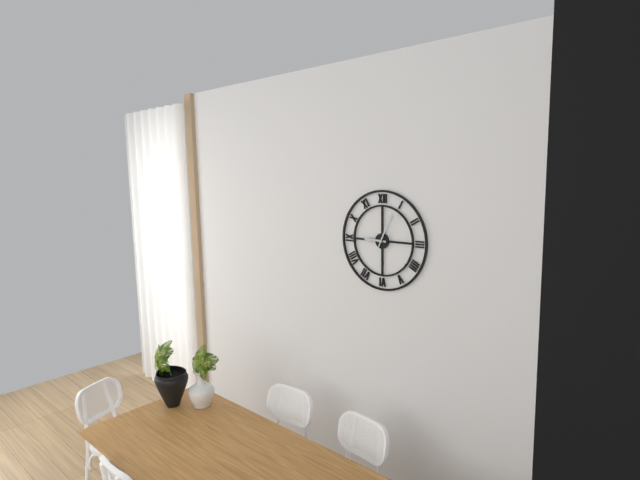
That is 9:04
